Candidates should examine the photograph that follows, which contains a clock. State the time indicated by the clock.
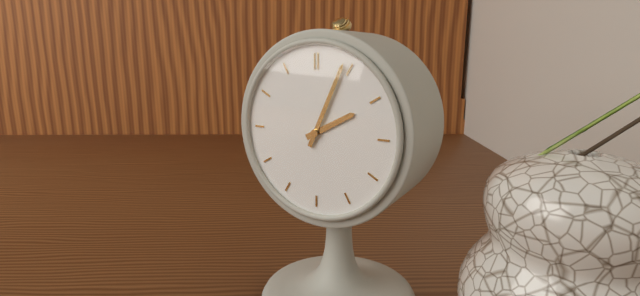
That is 2:04
